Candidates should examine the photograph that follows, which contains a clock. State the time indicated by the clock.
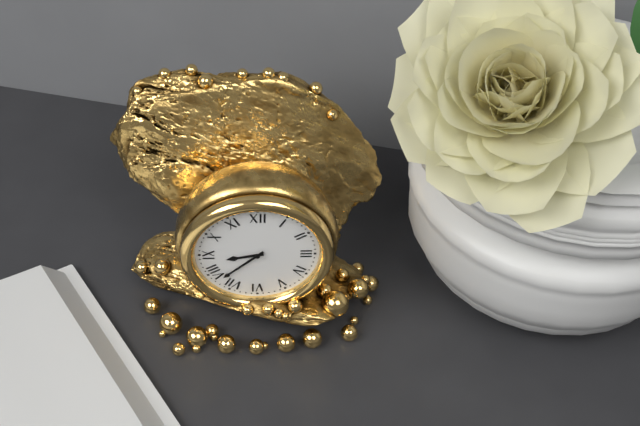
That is 8:38
